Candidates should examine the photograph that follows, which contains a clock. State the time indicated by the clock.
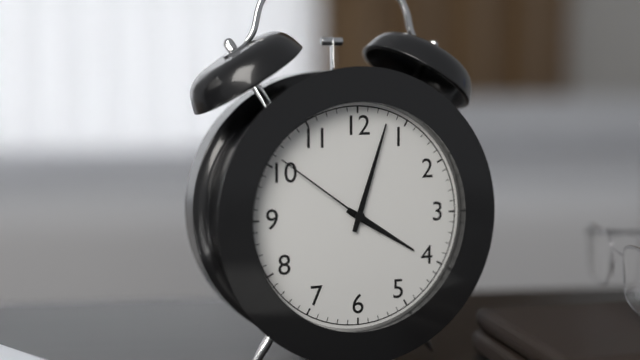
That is 4:03:51
